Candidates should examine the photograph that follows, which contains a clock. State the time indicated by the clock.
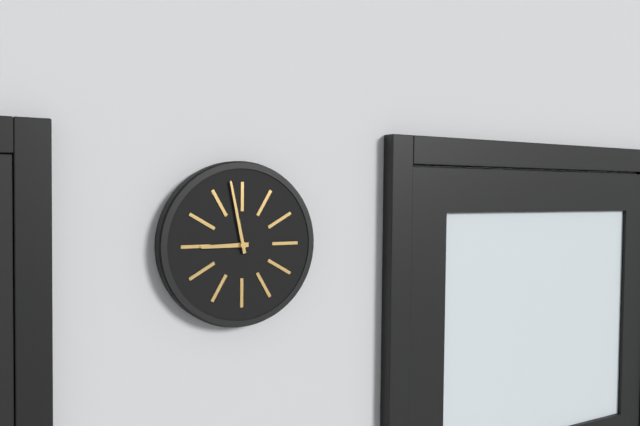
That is 8:58
